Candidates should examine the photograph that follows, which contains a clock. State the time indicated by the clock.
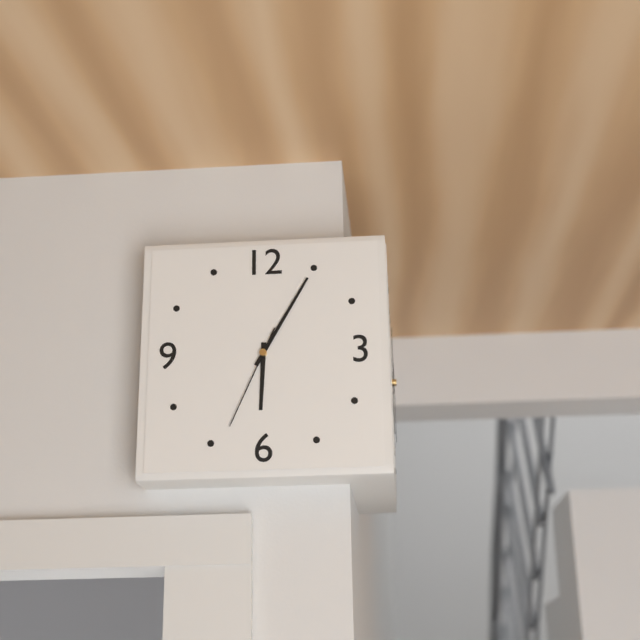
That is 6:05:34
